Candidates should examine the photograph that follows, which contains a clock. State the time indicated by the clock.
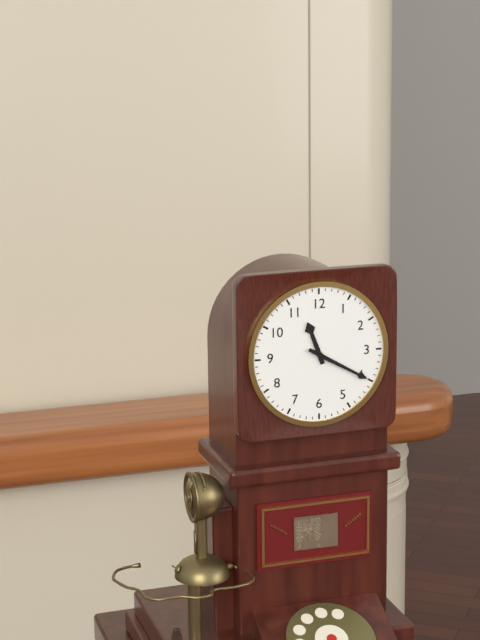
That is 11:20
